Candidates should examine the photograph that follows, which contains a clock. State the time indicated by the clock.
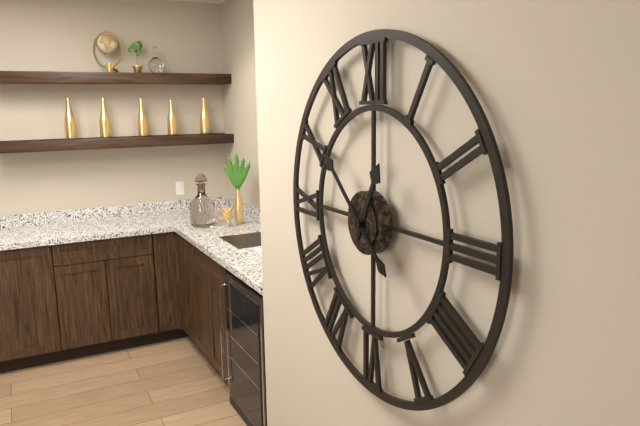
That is 12:52
